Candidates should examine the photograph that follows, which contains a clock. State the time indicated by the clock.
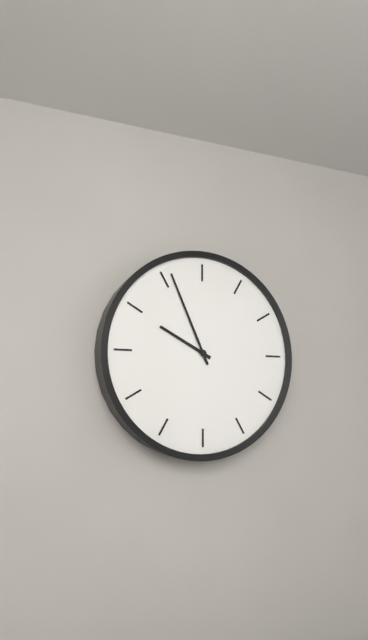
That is 9:56
